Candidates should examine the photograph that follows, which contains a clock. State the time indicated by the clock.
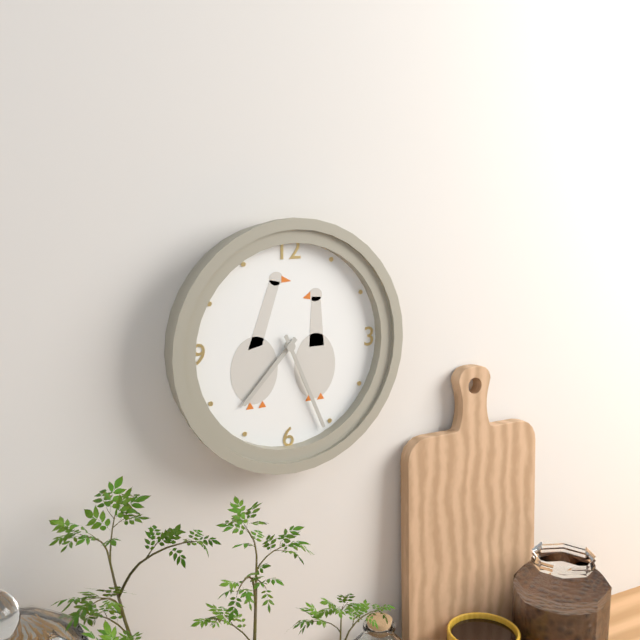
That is 7:26
